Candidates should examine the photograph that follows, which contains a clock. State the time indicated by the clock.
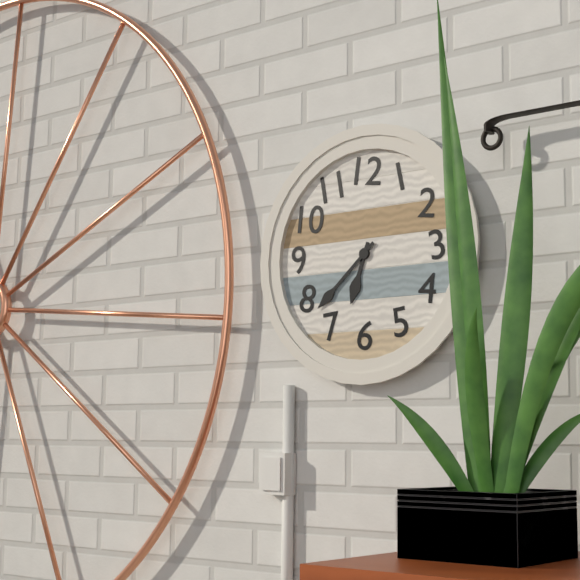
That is 6:38
